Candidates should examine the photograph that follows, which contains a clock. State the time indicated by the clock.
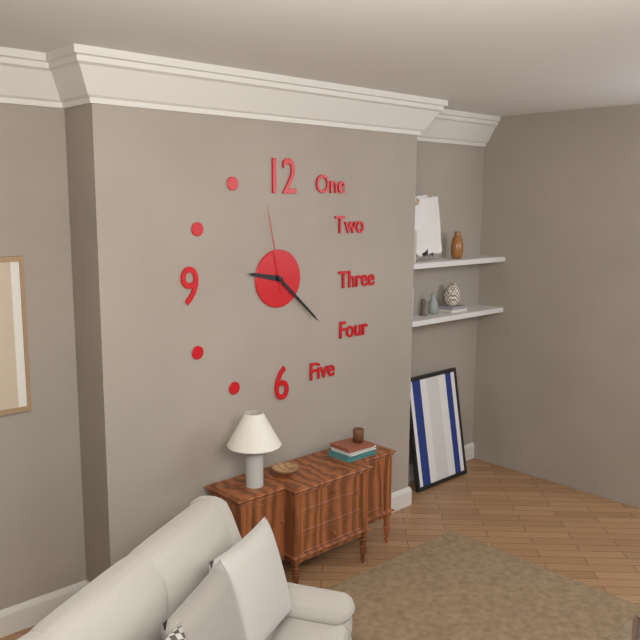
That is 9:22:58
